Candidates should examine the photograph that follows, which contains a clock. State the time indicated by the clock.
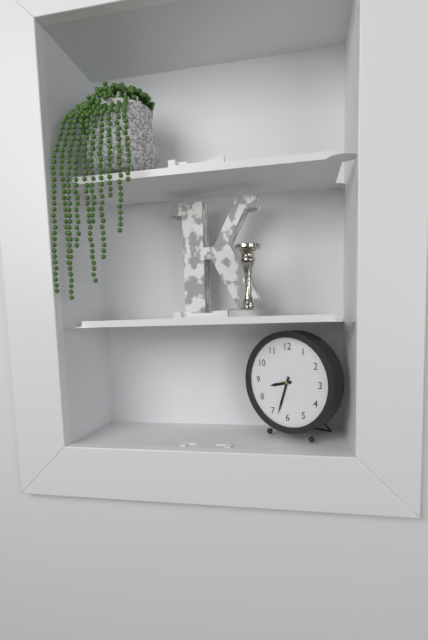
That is 8:33
